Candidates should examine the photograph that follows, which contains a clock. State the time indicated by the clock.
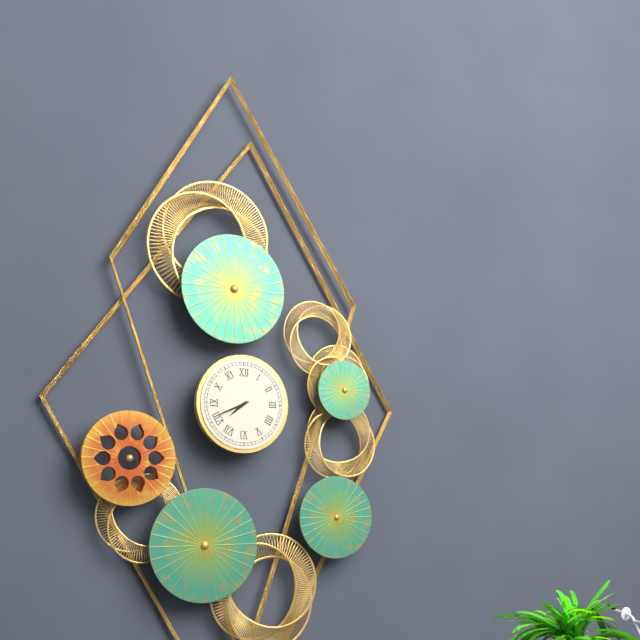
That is 7:41
